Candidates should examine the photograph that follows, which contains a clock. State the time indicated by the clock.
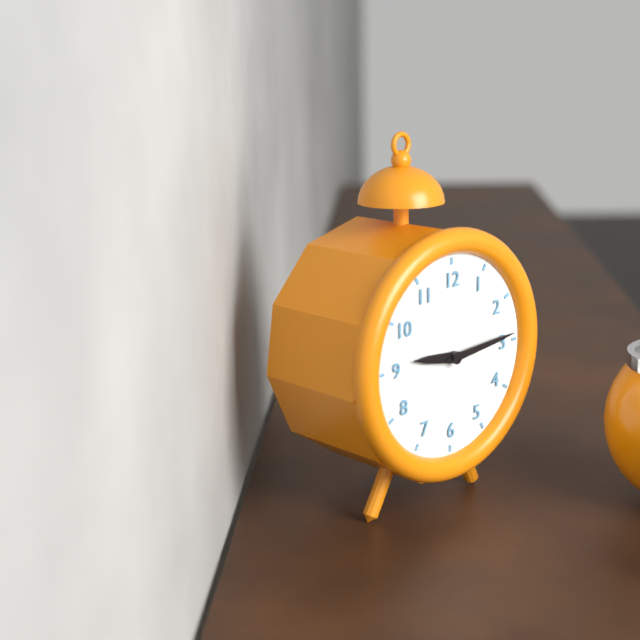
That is 9:14
